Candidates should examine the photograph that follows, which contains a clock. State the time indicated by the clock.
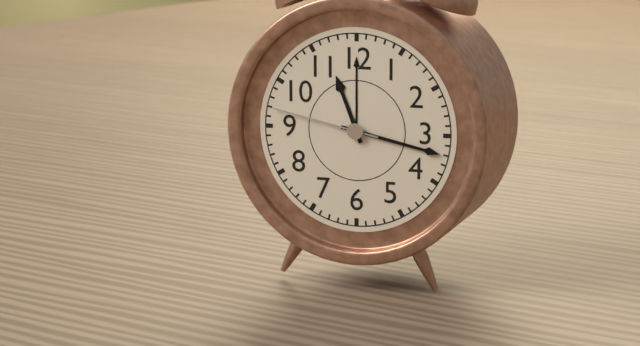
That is 11:17:47
